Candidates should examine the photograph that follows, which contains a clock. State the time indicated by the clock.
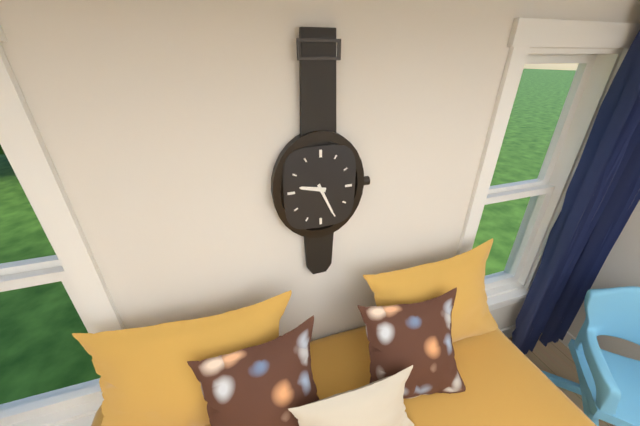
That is 9:26
